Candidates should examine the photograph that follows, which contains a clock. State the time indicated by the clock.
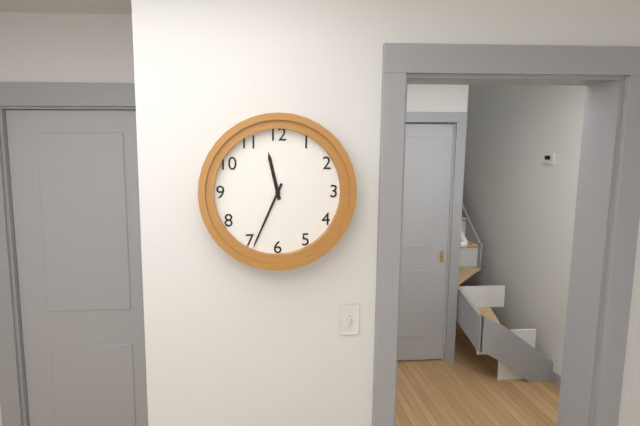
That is 11:34
